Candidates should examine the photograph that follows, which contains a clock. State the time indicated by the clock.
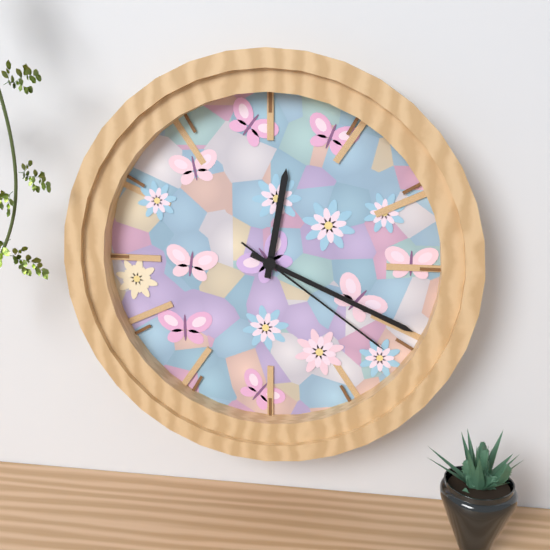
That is 12:19:21
